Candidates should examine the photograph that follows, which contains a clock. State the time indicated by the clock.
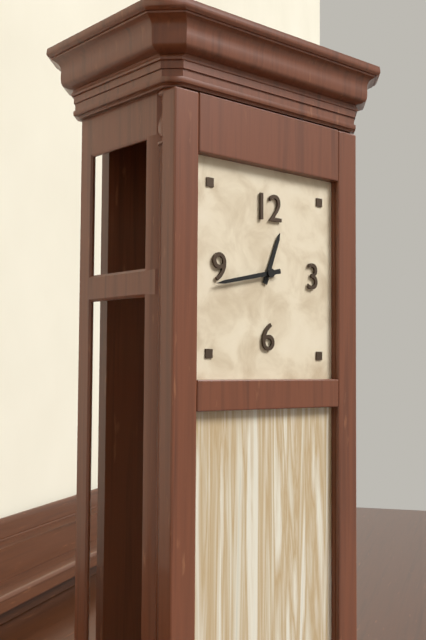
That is 12:43
